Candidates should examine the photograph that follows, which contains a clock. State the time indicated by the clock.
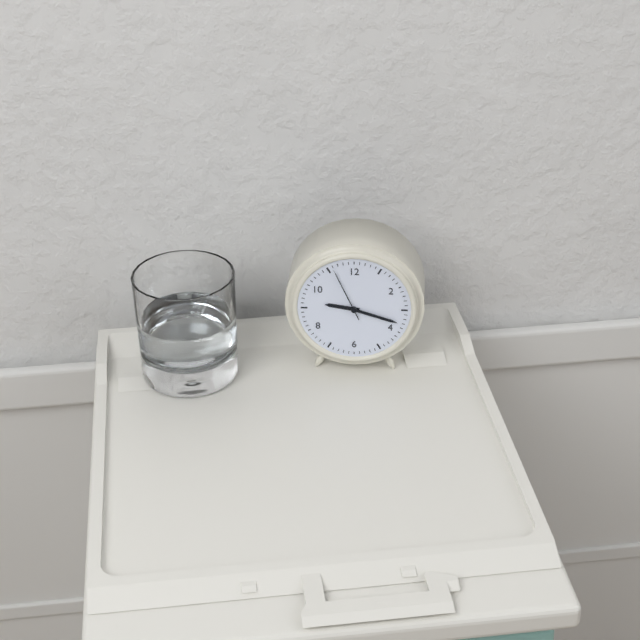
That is 9:18:56
